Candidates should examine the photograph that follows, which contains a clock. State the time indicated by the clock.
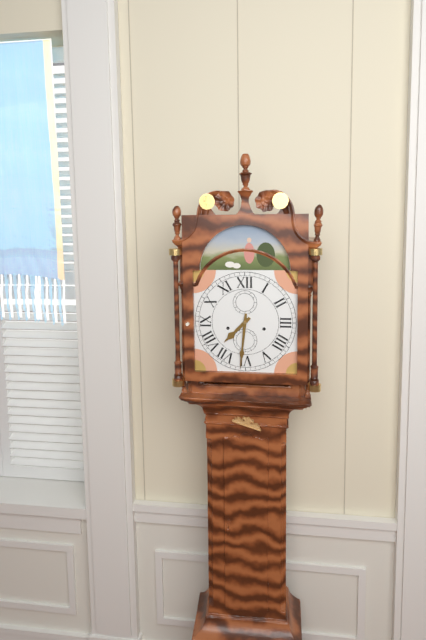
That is 7:31
